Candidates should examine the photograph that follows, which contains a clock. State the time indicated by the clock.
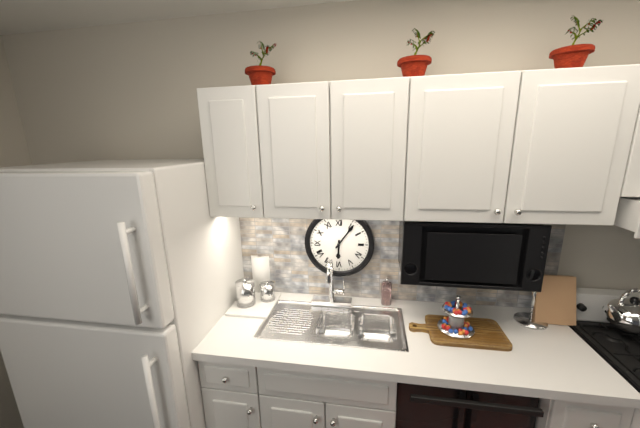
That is 6:06
